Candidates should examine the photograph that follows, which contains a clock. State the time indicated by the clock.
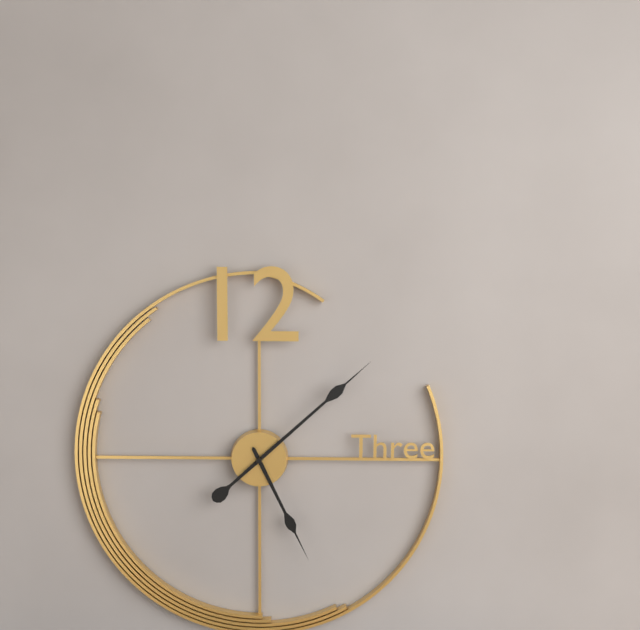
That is 5:08
